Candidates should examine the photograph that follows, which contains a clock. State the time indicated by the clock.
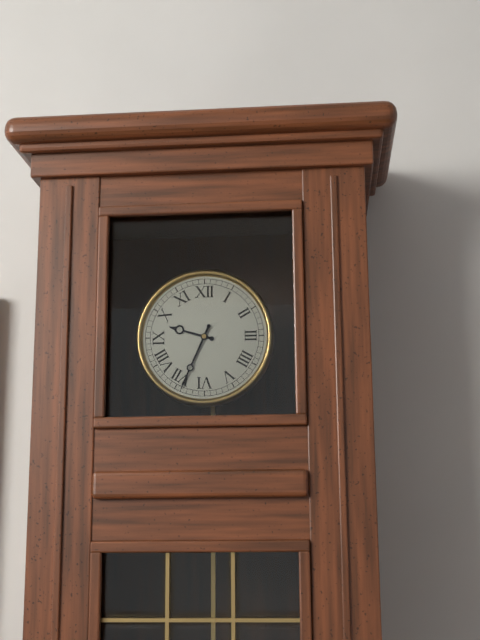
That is 9:34
